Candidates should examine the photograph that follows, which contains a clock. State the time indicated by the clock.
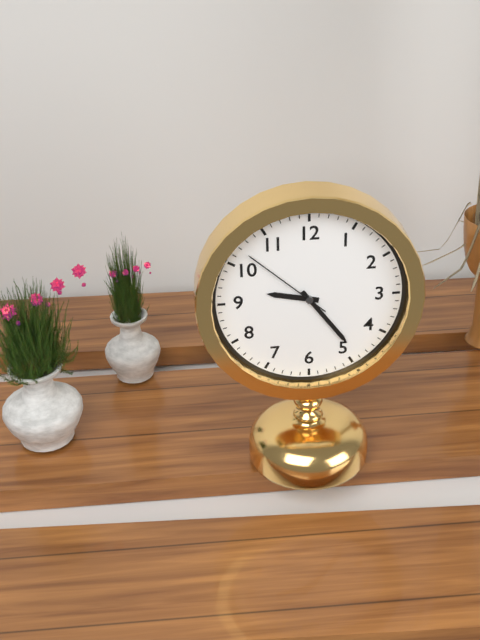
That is 9:24:52
